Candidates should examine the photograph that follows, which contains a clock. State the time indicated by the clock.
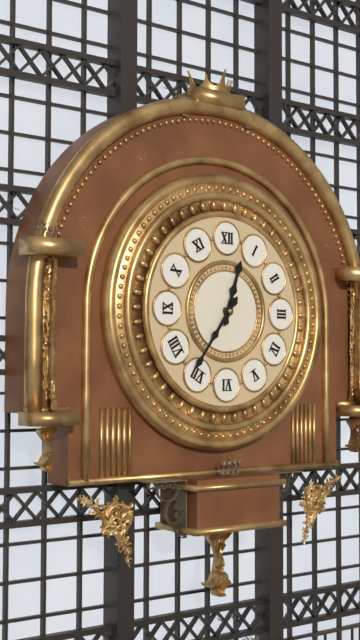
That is 12:36
